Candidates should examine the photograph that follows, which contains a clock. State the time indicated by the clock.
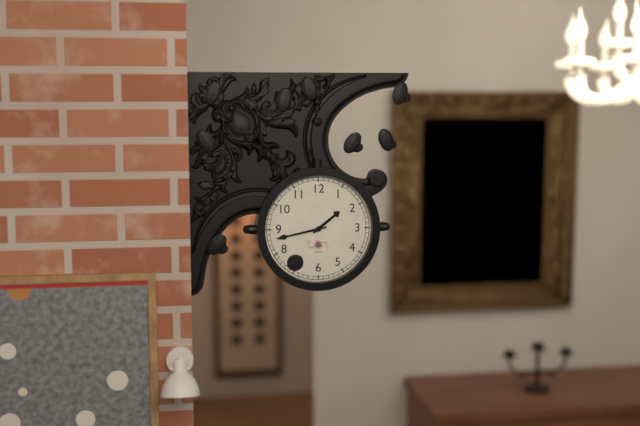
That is 1:43
